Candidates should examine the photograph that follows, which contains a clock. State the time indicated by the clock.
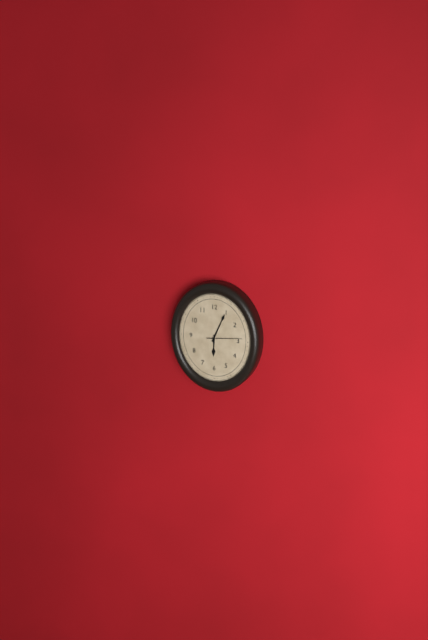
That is 6:04
